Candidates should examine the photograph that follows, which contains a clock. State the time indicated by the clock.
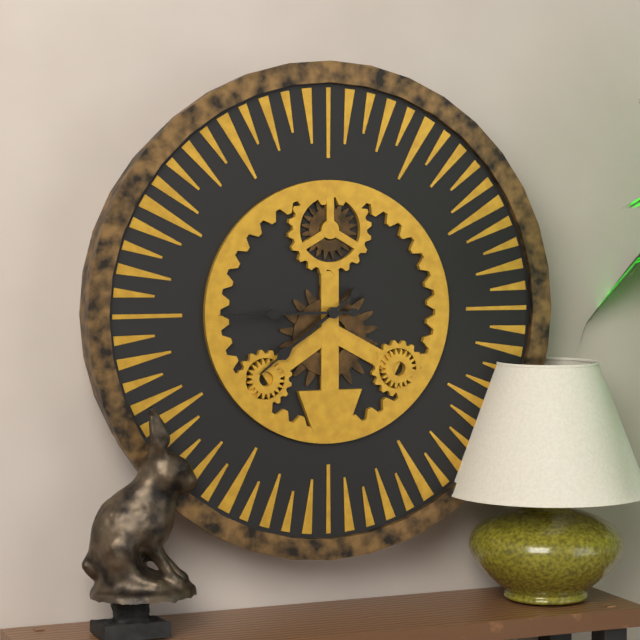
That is 7:45
